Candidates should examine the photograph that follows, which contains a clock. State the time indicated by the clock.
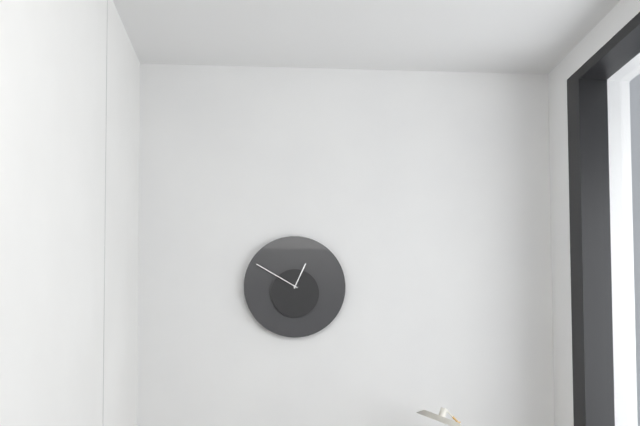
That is 12:50
